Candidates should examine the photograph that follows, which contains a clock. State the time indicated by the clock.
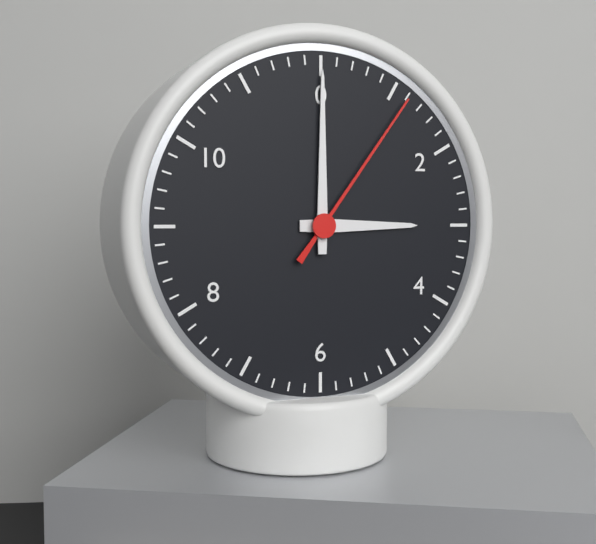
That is 3:00:06
